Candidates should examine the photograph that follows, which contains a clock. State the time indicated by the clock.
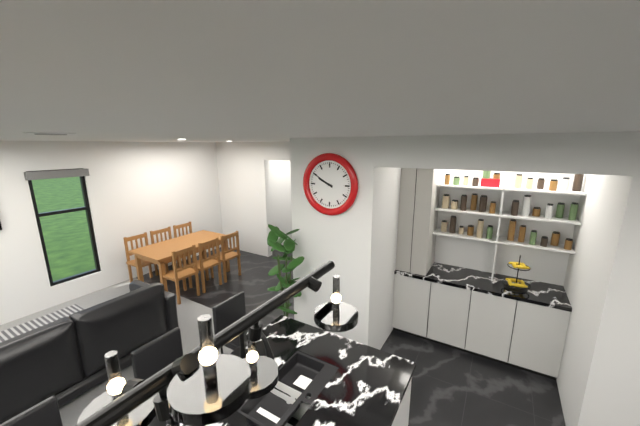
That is 9:50
